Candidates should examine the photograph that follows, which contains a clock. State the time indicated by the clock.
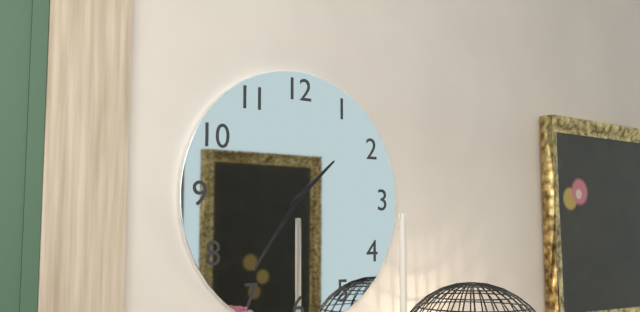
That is 1:36
